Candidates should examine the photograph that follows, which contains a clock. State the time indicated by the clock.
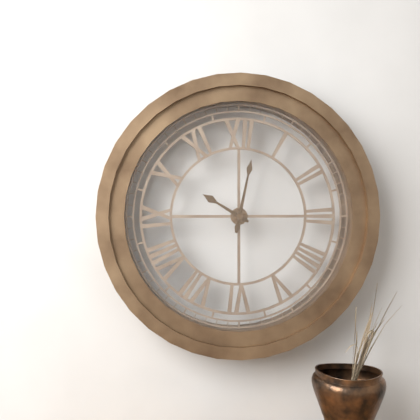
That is 10:02
